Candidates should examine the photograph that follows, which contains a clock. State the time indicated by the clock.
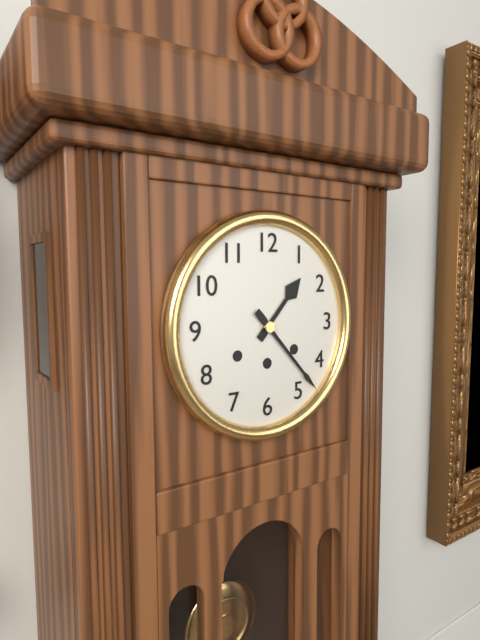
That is 1:23
